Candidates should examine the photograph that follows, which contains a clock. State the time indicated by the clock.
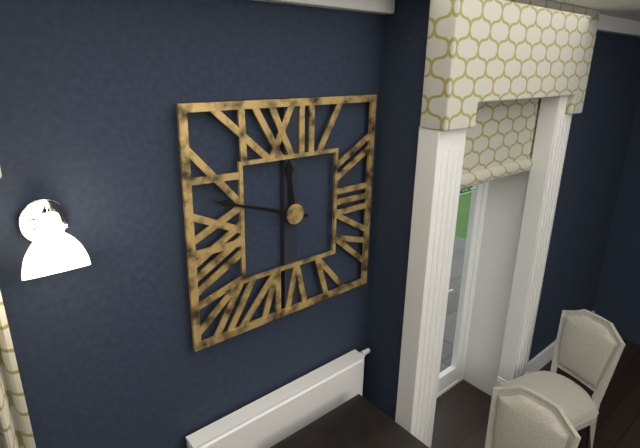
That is 11:48
